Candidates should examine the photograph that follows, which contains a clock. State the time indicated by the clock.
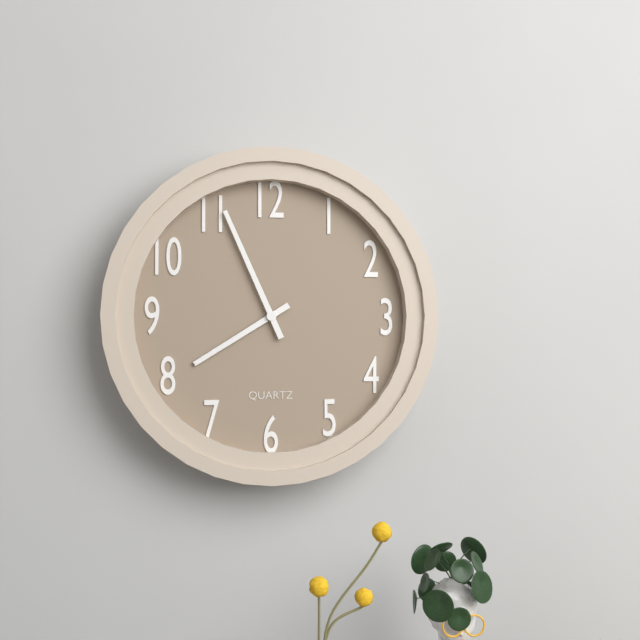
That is 7:56
